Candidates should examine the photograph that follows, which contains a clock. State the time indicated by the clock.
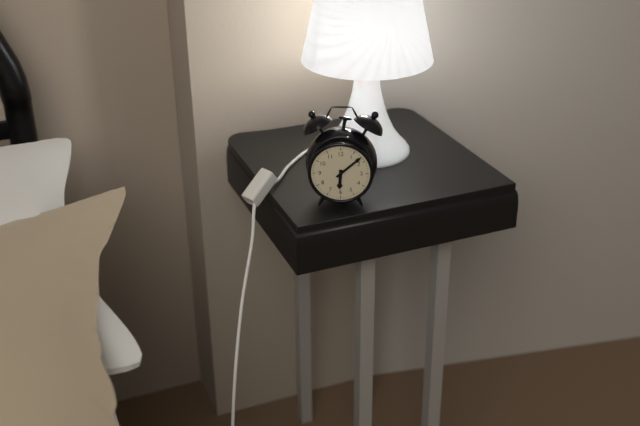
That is 6:08
